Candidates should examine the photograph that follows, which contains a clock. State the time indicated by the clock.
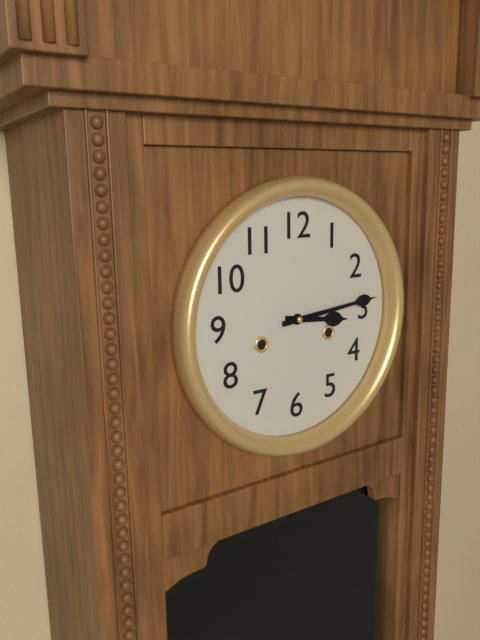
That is 3:14
